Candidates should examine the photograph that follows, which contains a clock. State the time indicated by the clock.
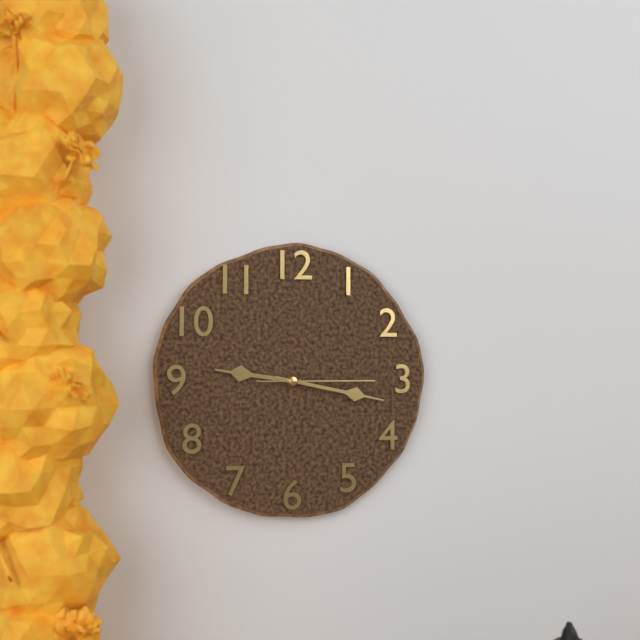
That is 9:17:15
